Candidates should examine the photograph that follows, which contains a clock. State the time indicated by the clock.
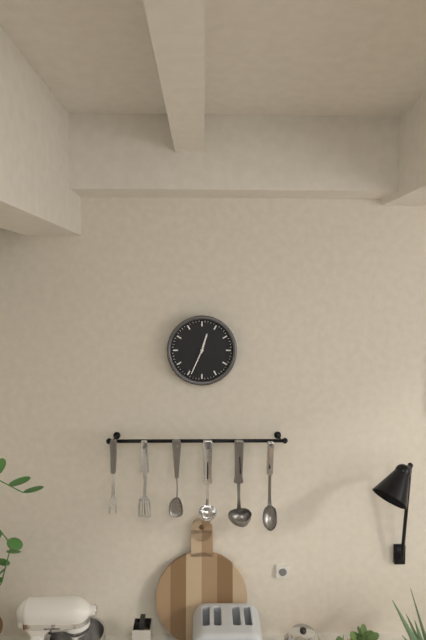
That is 12:34
